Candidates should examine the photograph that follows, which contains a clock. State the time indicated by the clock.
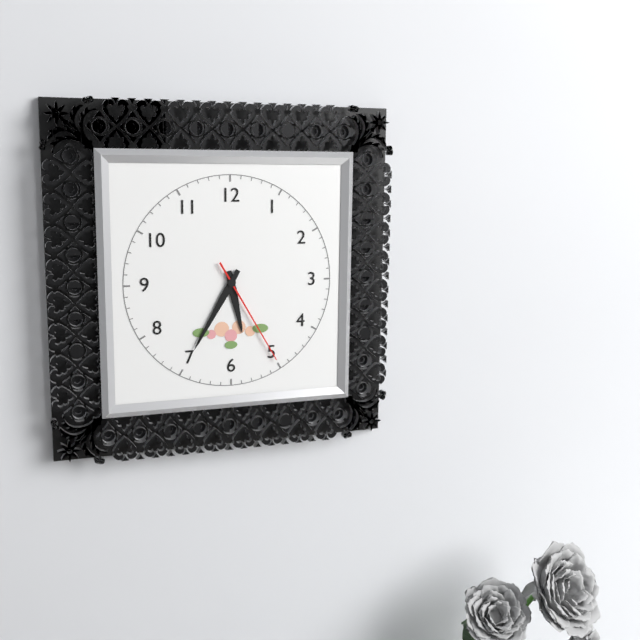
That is 5:35:25
